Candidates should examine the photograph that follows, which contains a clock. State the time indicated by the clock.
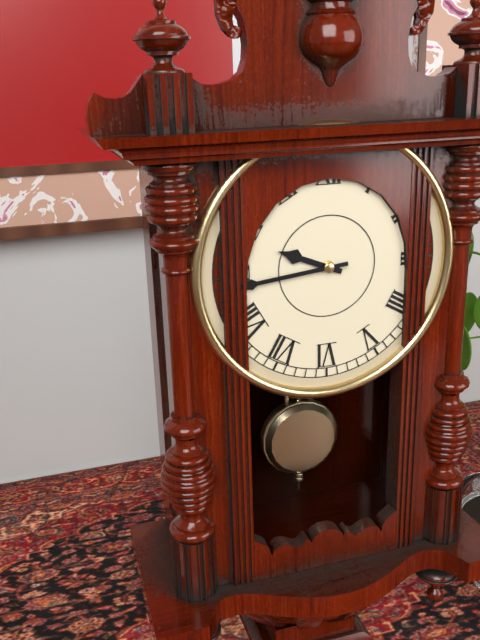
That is 9:44
